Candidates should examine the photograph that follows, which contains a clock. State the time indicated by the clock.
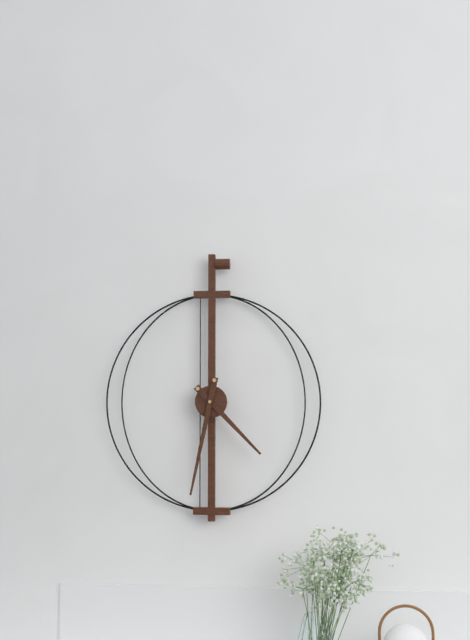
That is 4:32
